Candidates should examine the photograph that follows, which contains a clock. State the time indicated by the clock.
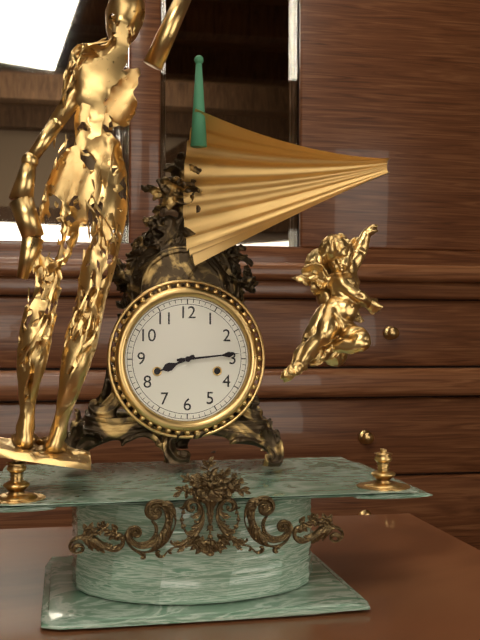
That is 8:14
